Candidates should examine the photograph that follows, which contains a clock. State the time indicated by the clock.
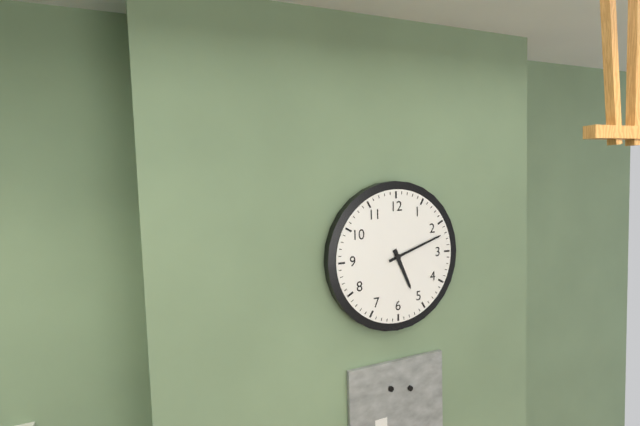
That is 5:12
